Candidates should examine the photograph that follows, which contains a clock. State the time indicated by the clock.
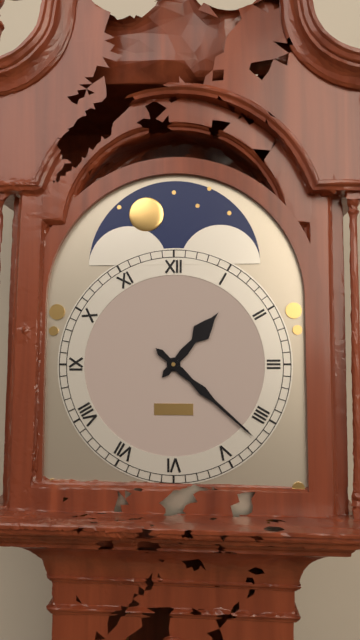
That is 1:22
